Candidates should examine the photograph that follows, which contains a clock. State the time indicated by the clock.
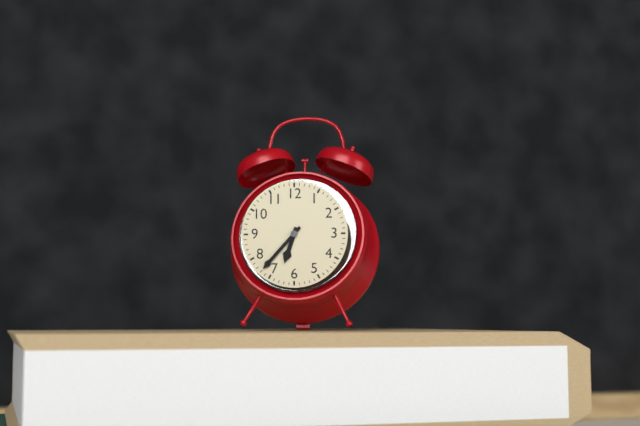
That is 6:37
